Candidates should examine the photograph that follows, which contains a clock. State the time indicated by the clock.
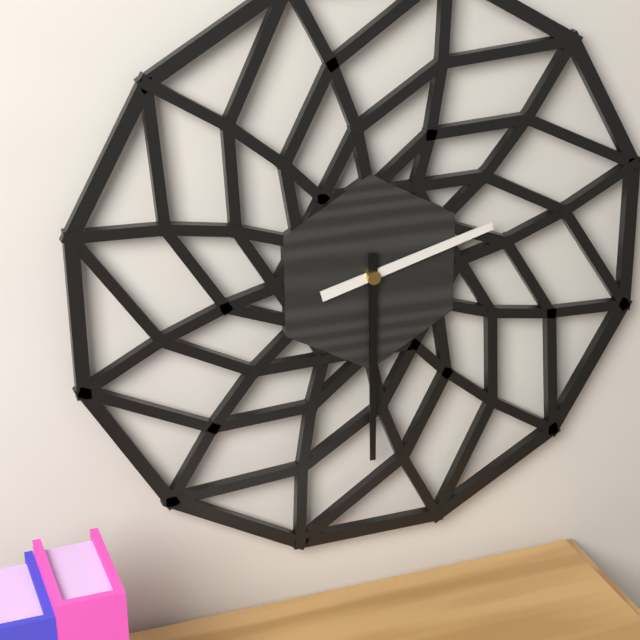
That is 2:30
